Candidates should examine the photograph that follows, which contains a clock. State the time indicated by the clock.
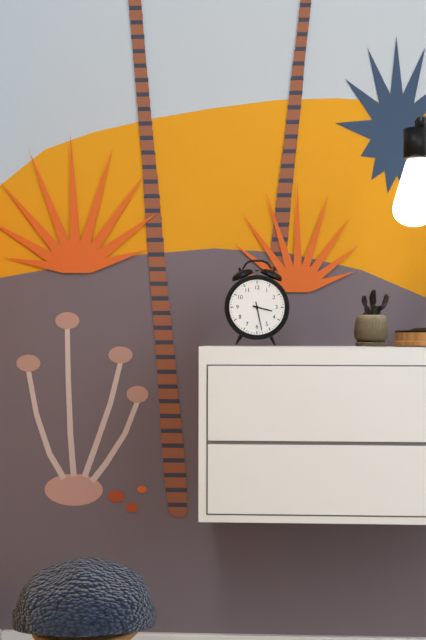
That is 3:28
